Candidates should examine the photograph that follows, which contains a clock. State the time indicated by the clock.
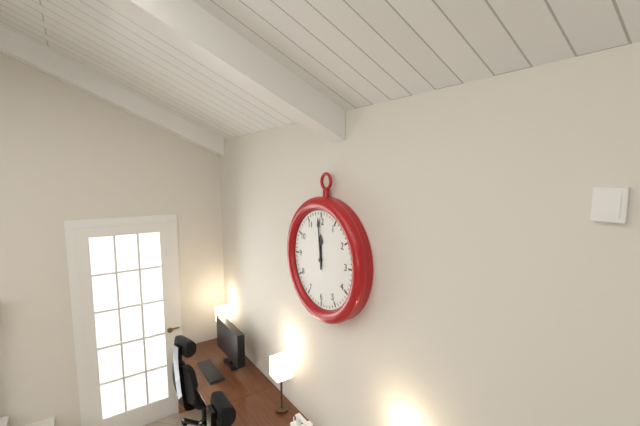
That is 11:59
